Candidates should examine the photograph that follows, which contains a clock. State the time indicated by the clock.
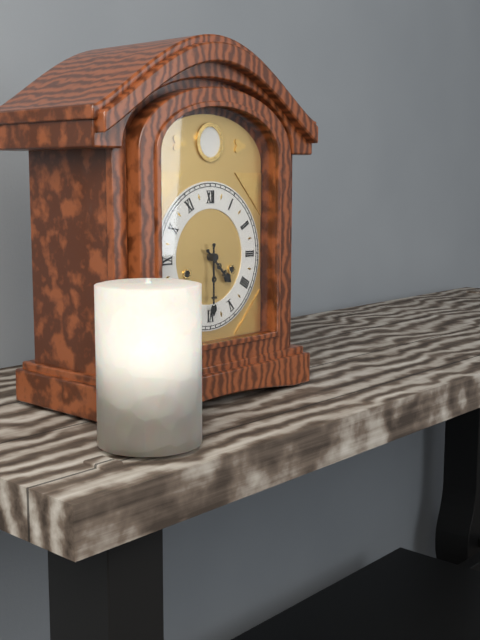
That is 4:30
